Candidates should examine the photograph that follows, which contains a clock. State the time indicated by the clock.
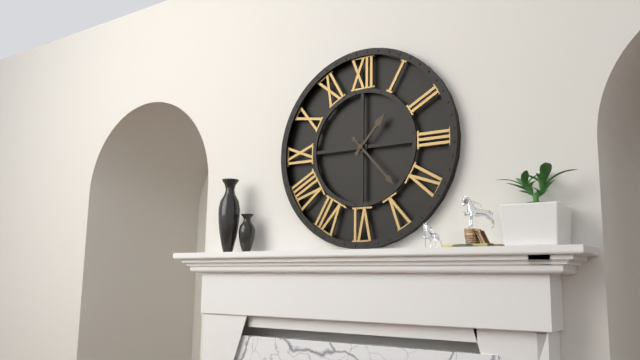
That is 1:23
